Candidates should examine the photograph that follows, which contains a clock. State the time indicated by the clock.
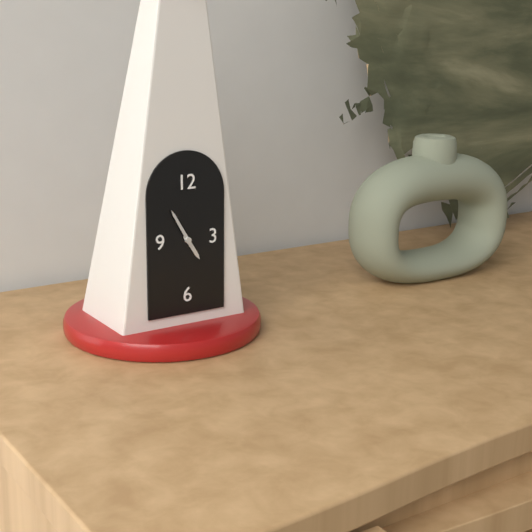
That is 4:55
